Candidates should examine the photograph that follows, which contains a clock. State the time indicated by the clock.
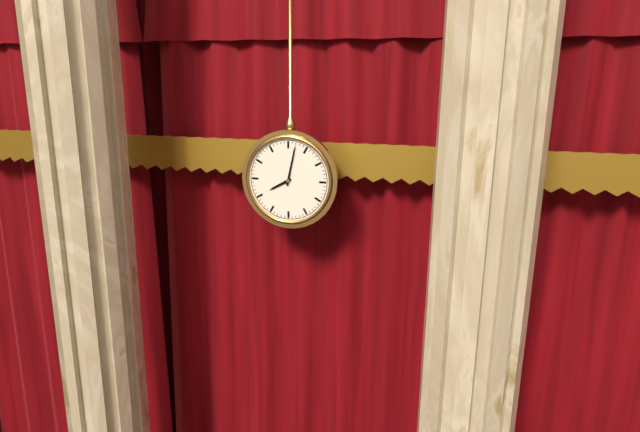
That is 8:02
